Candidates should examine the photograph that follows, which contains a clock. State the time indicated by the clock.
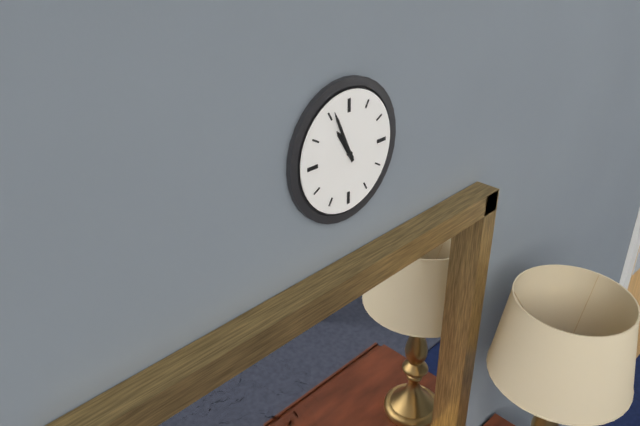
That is 10:56
